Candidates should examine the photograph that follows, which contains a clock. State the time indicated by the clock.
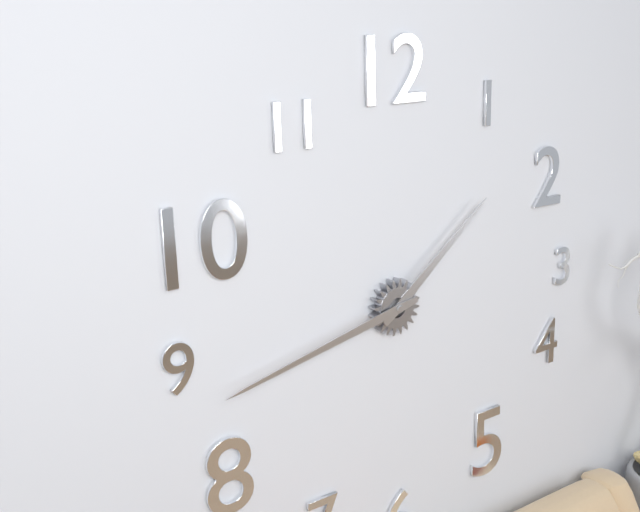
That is 1:43
